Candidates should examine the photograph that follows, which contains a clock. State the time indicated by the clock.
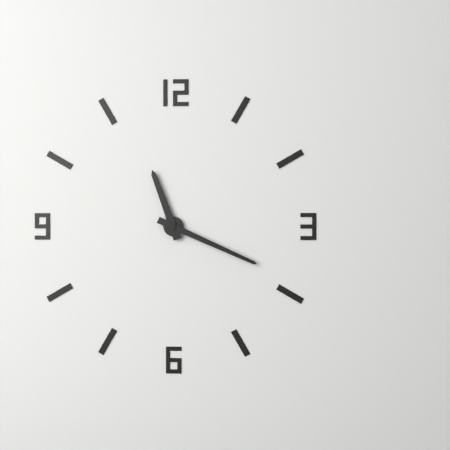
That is 11:19
